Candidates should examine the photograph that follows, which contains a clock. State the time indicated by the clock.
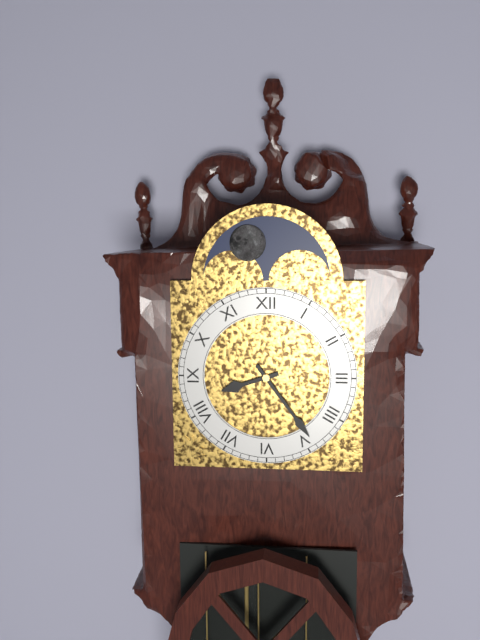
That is 8:24
